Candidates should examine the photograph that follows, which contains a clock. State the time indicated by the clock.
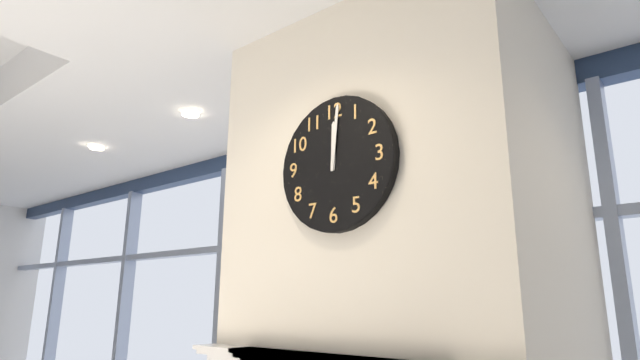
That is 12:01
